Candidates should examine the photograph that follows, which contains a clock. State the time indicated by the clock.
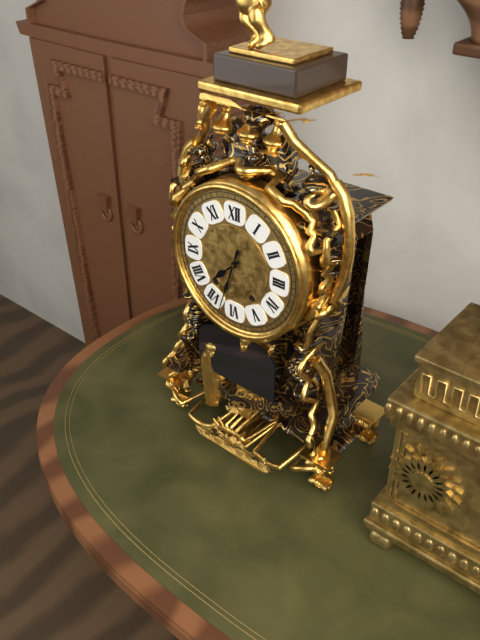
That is 7:33
